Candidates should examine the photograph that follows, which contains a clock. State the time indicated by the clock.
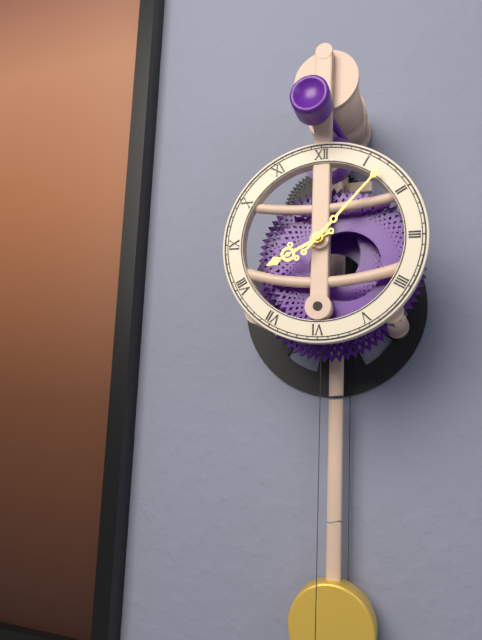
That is 8:07
